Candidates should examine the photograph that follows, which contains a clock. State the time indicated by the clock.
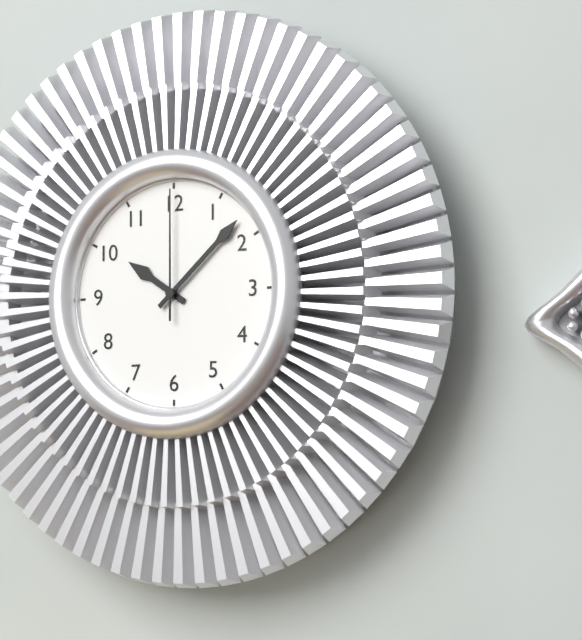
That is 10:08:00
